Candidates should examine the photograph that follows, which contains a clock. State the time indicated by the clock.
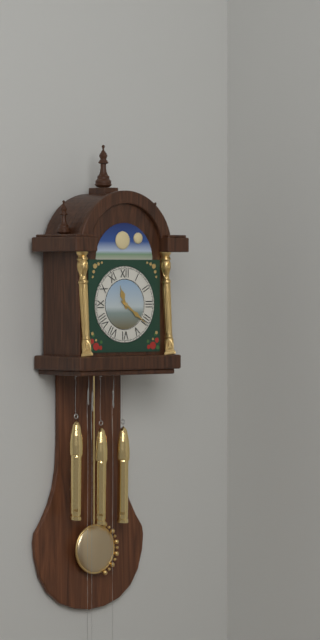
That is 11:21
